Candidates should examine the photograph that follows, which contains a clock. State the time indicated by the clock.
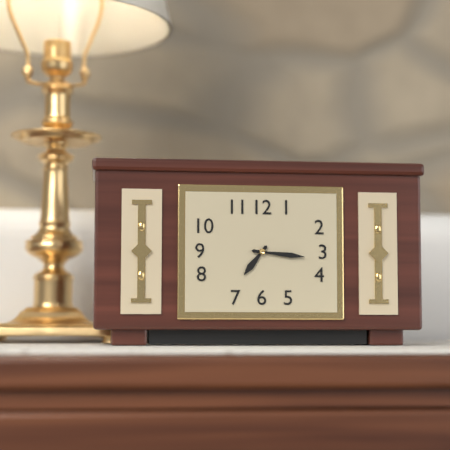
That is 7:16
